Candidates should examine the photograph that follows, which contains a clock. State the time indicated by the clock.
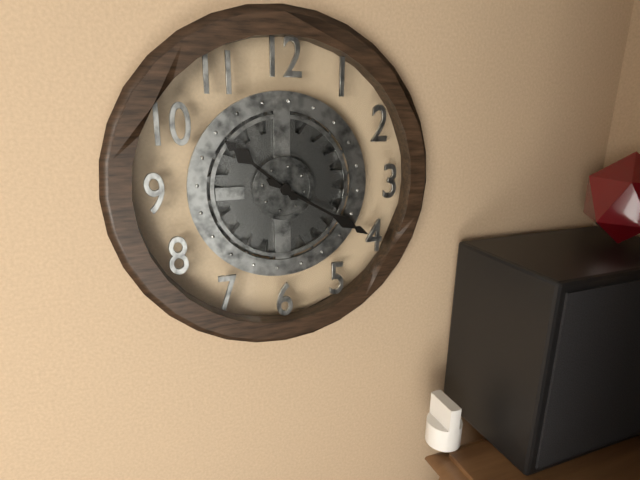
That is 10:20
